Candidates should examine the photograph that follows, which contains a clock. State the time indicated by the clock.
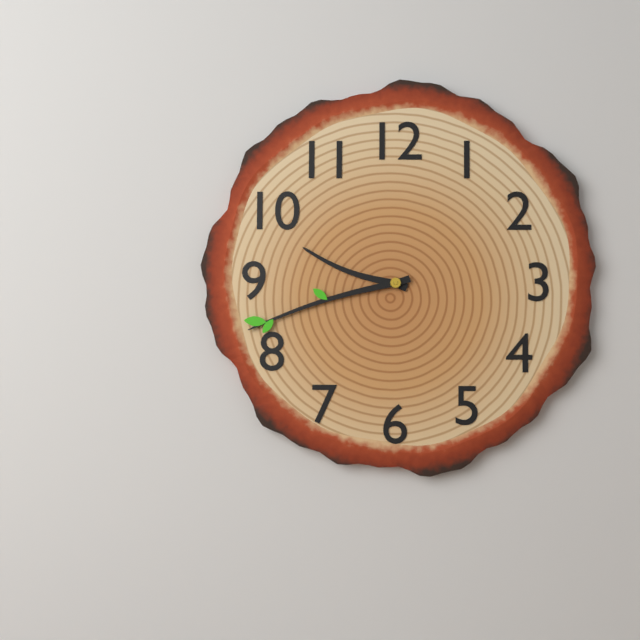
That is 9:42
